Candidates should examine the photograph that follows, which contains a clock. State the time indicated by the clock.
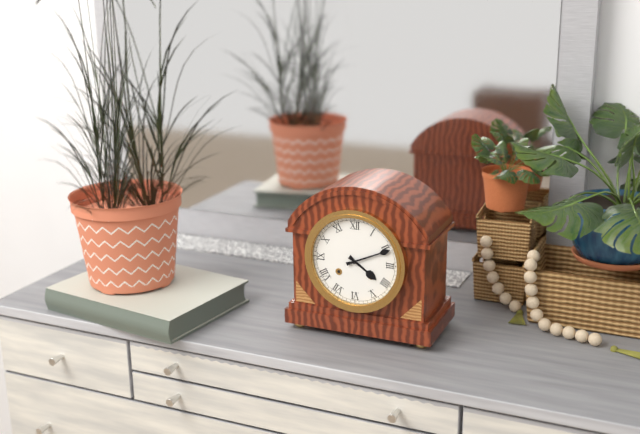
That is 4:11
